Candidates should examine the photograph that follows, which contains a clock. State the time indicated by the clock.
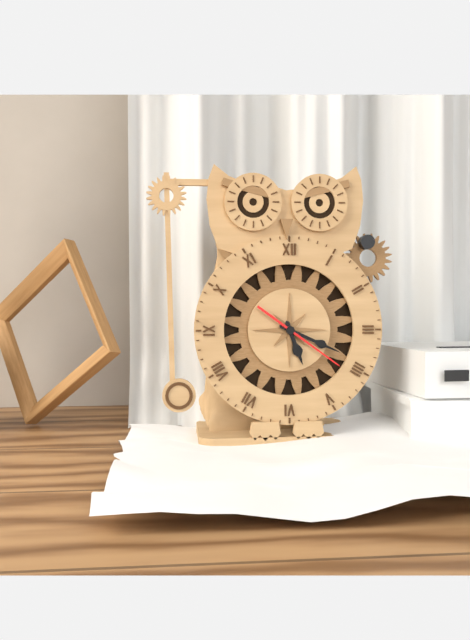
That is 5:19:21
